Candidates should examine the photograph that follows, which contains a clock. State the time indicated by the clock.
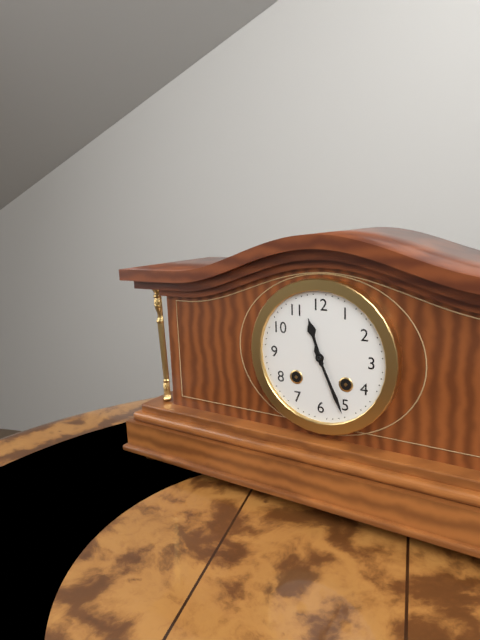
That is 11:26
